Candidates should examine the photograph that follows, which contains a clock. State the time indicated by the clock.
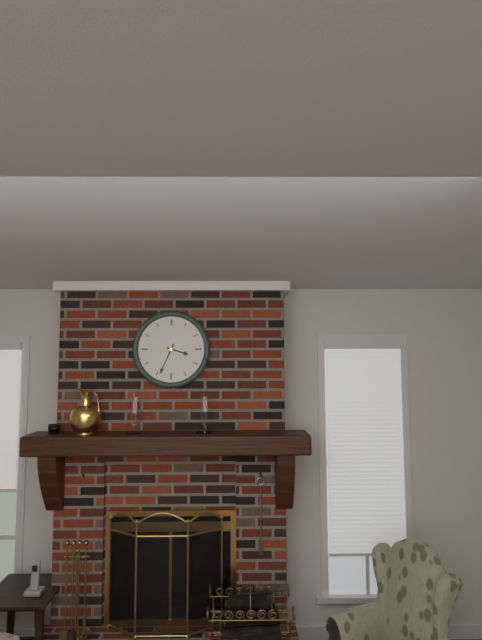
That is 3:34
